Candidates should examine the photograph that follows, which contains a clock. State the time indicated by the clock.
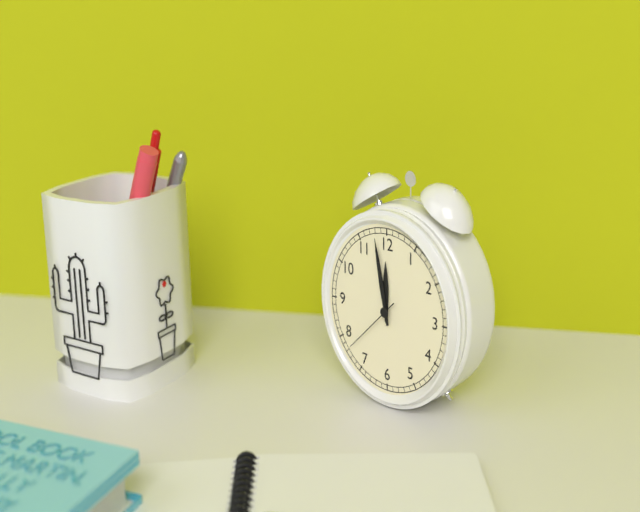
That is 11:58:38
